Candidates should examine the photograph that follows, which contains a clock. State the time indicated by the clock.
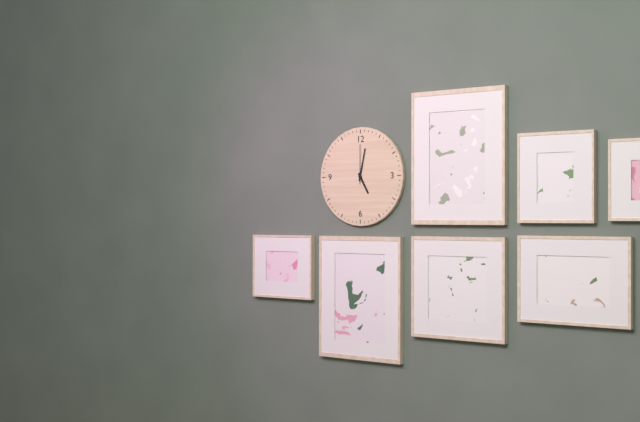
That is 5:02
